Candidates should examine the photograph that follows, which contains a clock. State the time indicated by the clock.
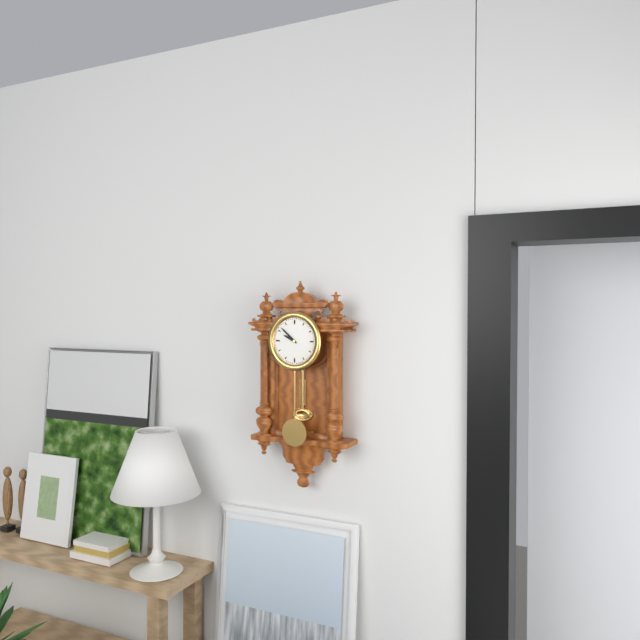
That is 9:52
